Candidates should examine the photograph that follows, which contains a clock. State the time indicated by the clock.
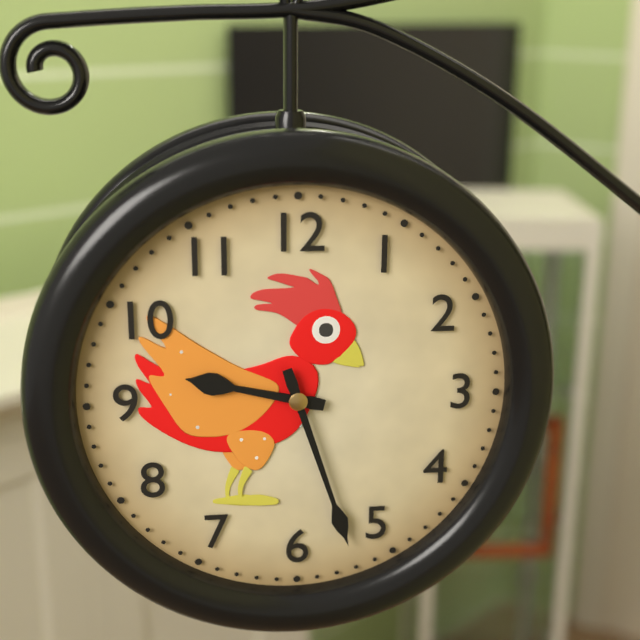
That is 9:27
